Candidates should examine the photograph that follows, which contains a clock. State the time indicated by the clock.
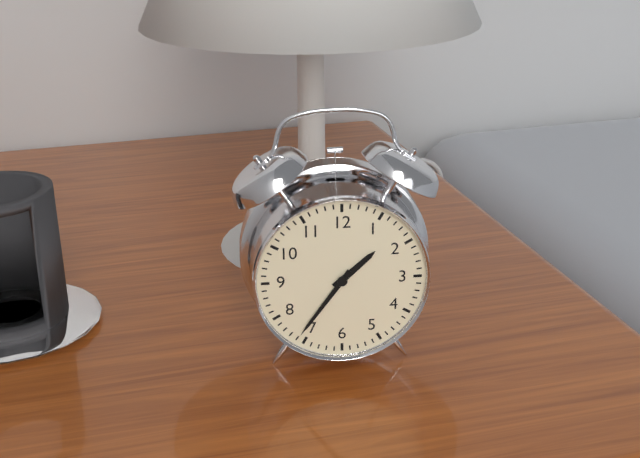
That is 1:36
